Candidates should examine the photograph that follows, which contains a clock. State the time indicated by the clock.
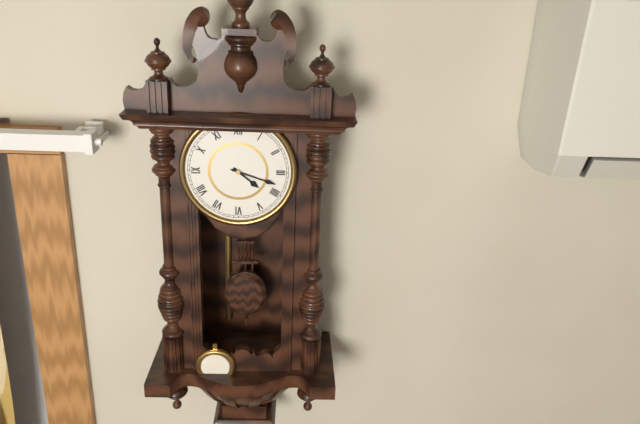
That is 4:18
